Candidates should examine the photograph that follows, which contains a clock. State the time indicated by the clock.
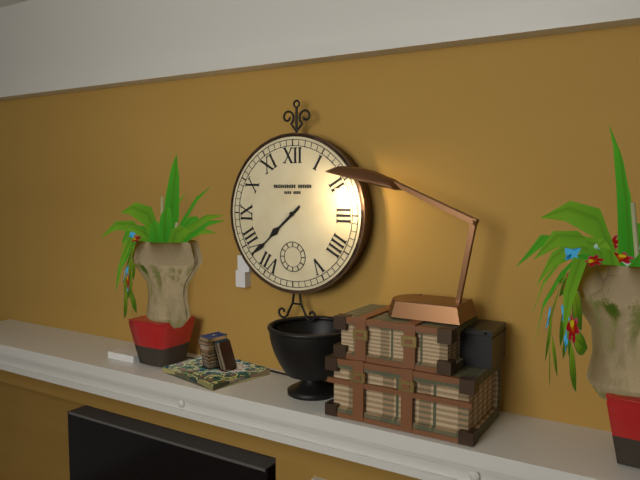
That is 7:38
